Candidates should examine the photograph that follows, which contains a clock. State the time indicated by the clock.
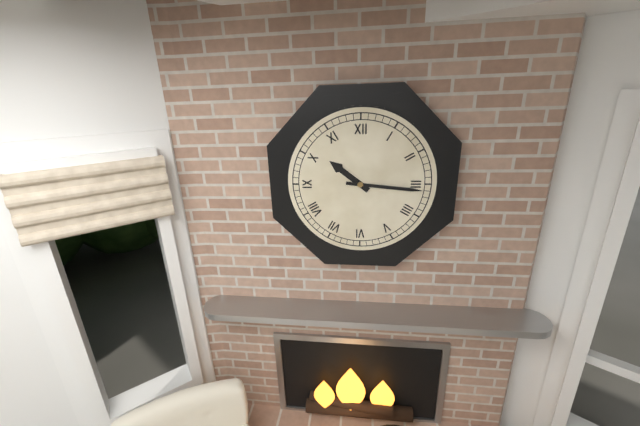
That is 10:16
